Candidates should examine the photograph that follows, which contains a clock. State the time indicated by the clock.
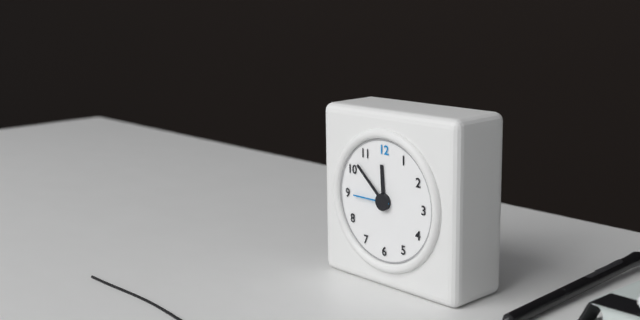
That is 11:52
